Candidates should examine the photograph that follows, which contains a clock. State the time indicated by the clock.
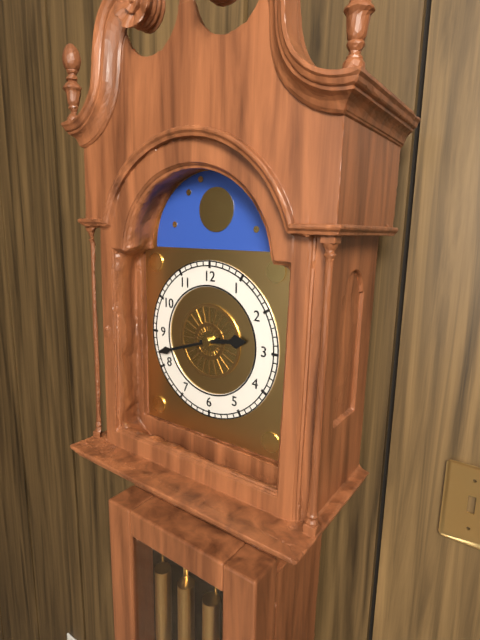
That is 2:42
